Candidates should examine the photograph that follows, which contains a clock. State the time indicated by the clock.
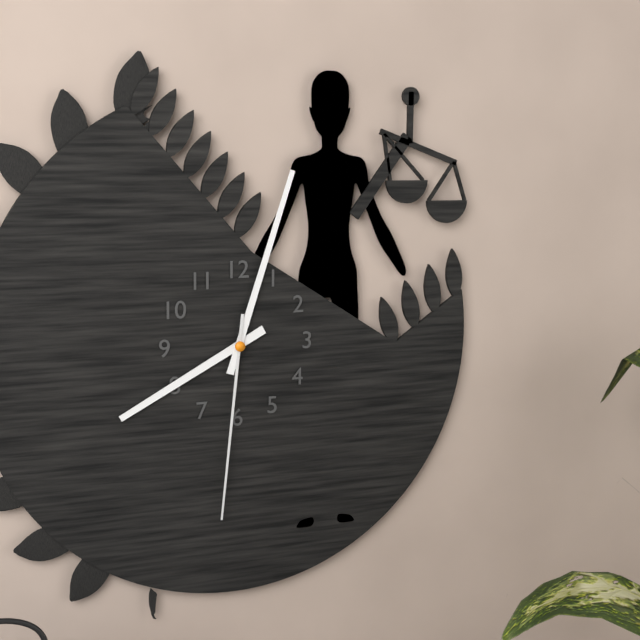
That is 8:03:31
